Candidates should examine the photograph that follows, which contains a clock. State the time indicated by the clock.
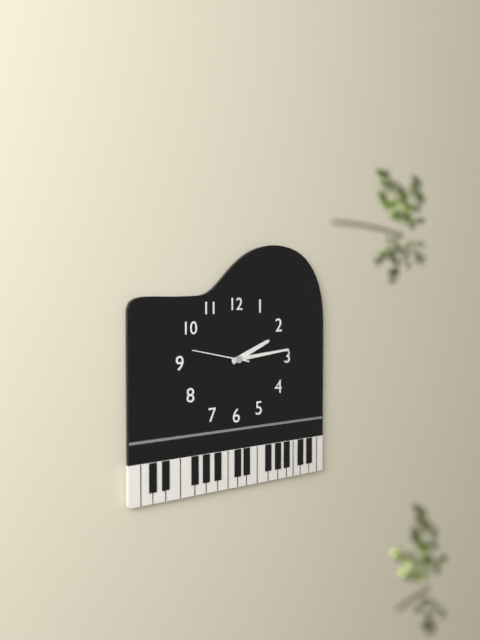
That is 2:14:47
